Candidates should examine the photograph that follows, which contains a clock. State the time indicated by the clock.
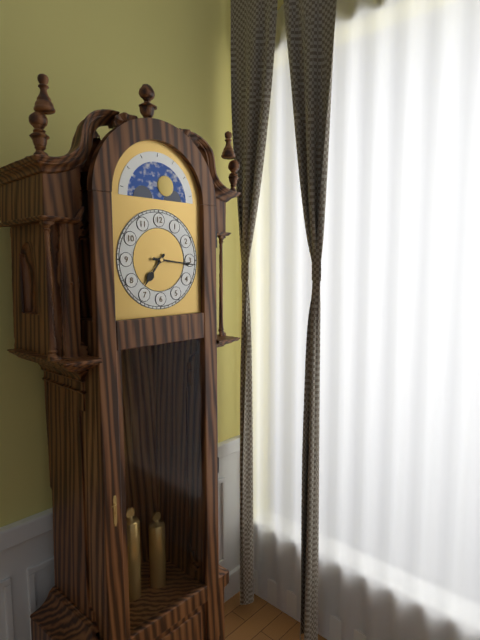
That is 7:16
